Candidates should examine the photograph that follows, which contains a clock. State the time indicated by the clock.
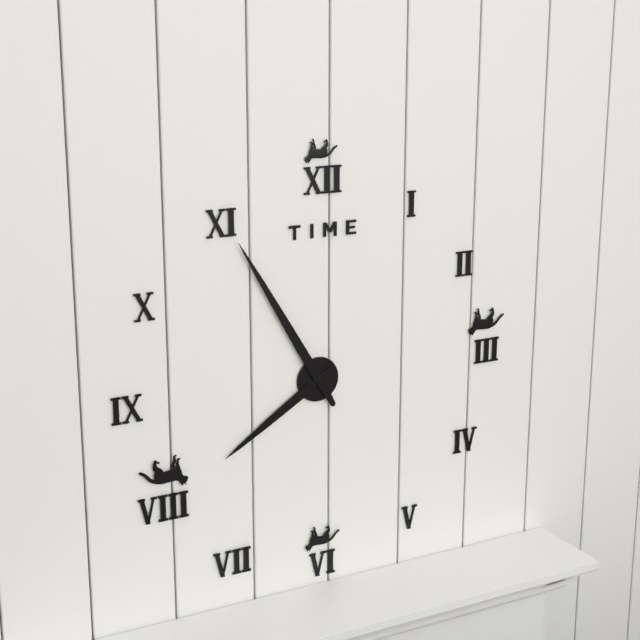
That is 7:55
